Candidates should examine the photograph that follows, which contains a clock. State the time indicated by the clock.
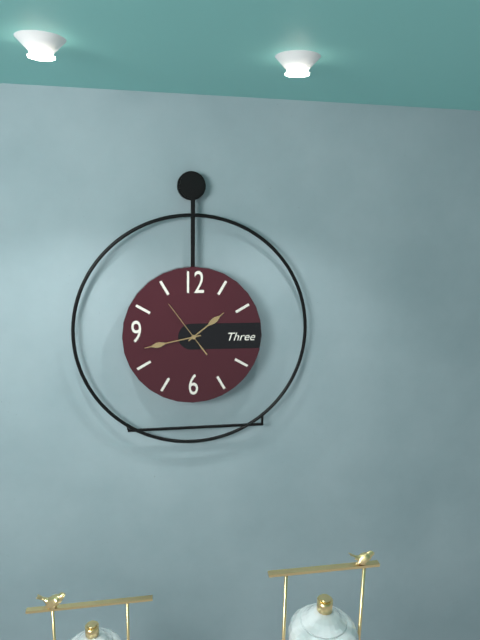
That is 1:43
